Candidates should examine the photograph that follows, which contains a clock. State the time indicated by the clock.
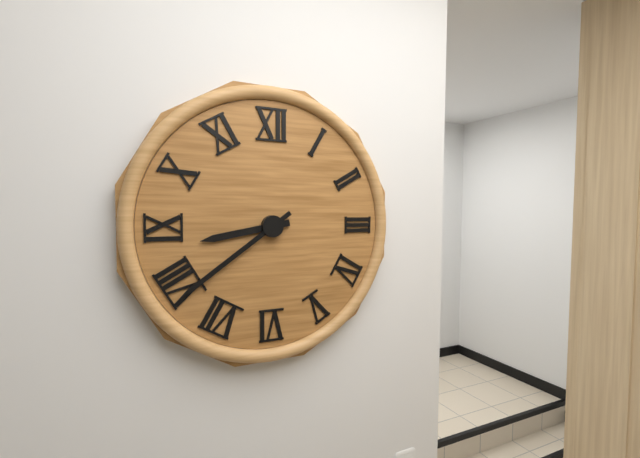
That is 8:39
